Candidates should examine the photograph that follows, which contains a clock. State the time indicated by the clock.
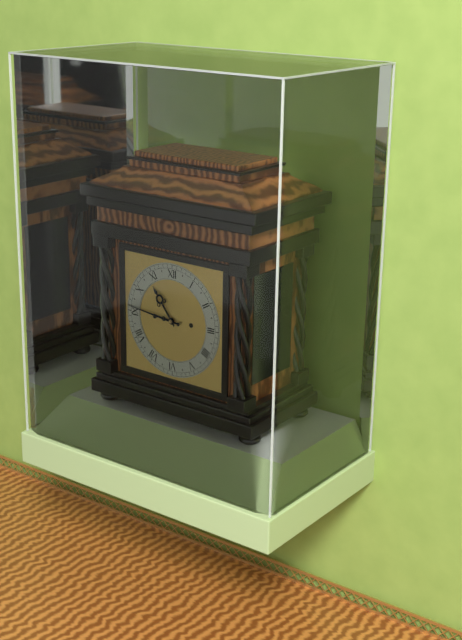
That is 10:46
